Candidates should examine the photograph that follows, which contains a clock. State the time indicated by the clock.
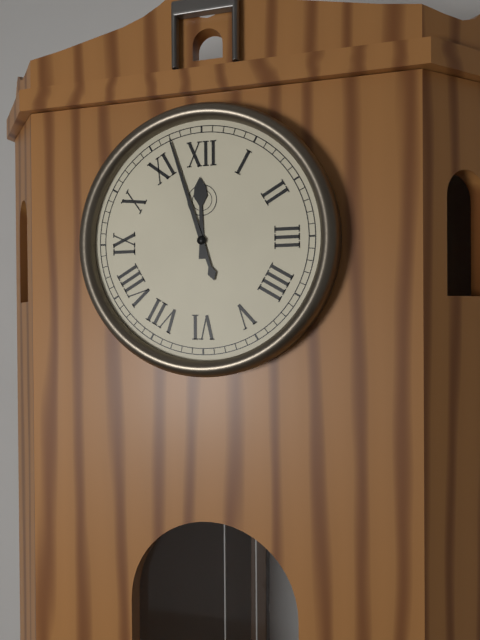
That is 11:57
